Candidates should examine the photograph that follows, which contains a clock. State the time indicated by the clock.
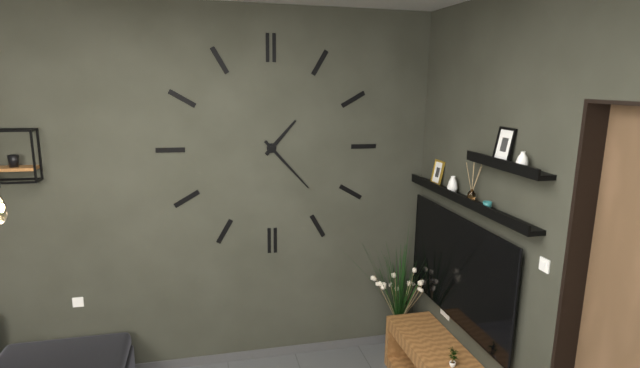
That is 1:23
